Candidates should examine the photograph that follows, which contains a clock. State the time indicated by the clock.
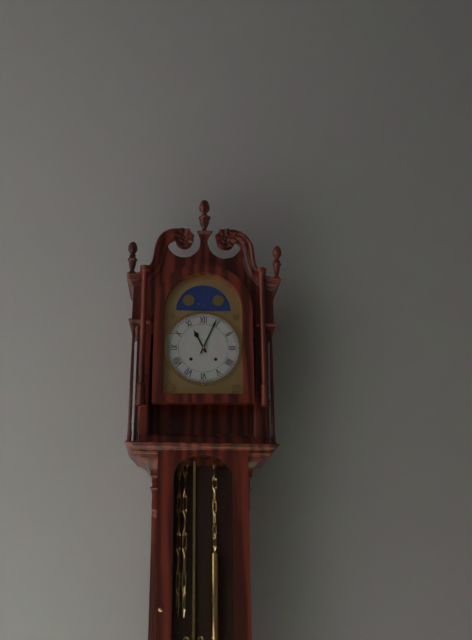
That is 11:04
